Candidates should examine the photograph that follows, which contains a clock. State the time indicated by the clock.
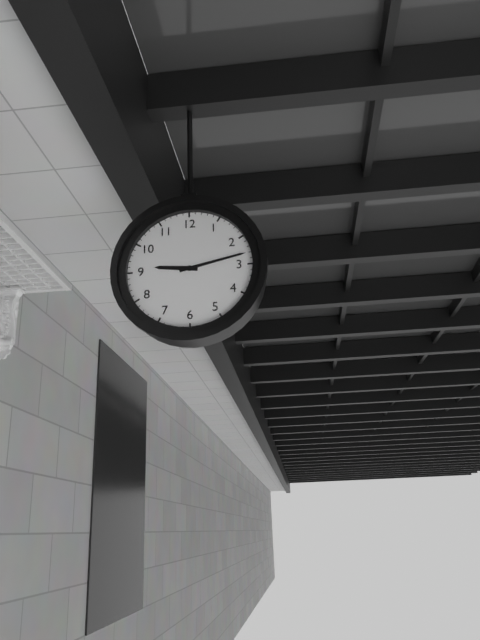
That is 9:13
